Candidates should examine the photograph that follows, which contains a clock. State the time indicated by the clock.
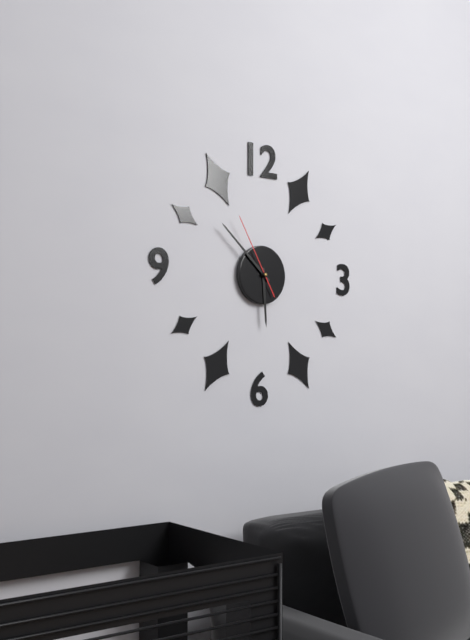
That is 5:52:55
